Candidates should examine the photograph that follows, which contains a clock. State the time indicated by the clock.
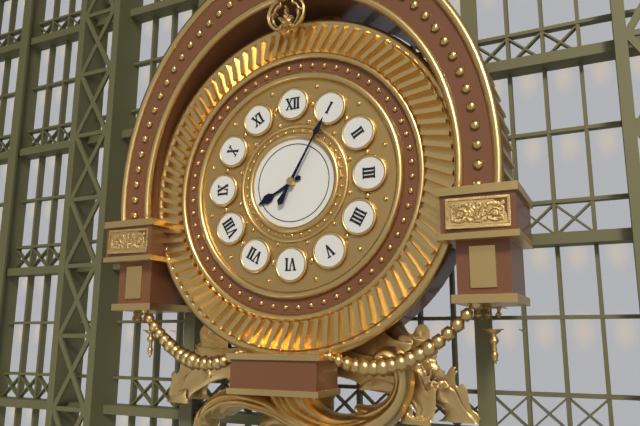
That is 8:05
